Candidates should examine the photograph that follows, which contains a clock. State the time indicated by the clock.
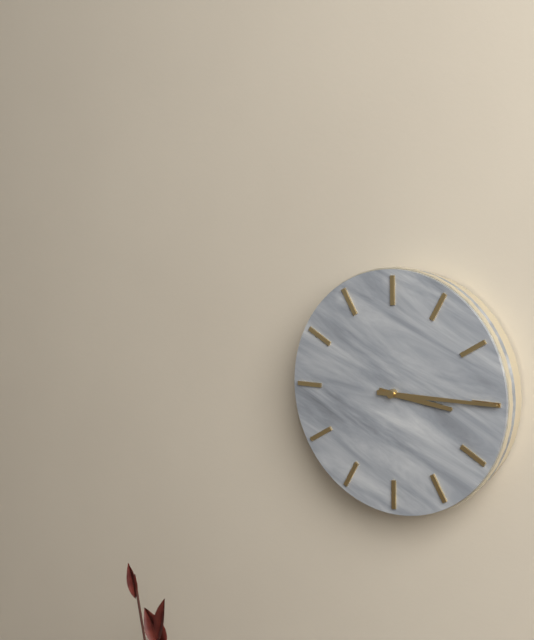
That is 3:15
